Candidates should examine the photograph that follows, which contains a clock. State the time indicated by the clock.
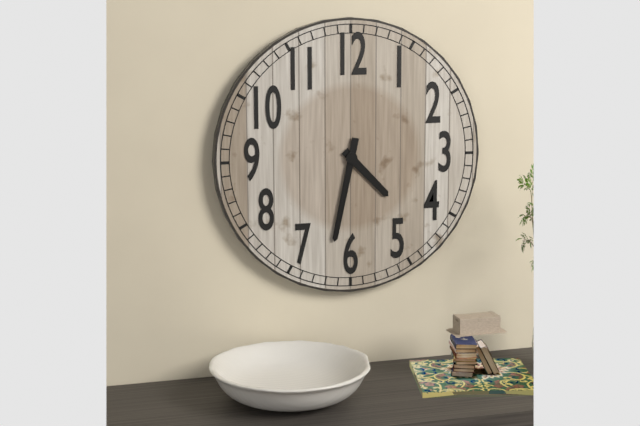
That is 4:32
